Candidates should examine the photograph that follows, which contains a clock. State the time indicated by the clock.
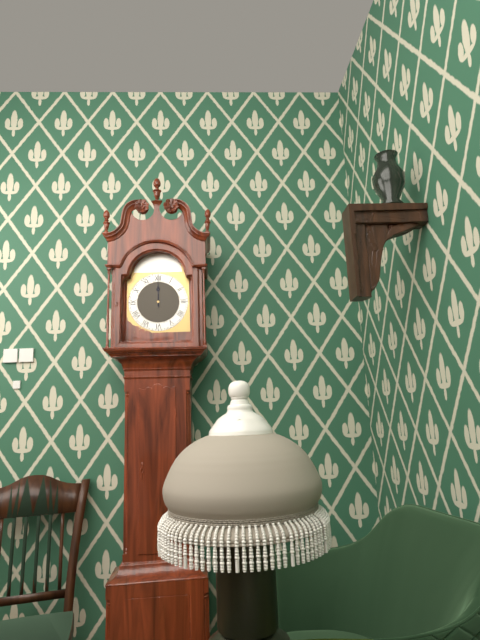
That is 12:00
